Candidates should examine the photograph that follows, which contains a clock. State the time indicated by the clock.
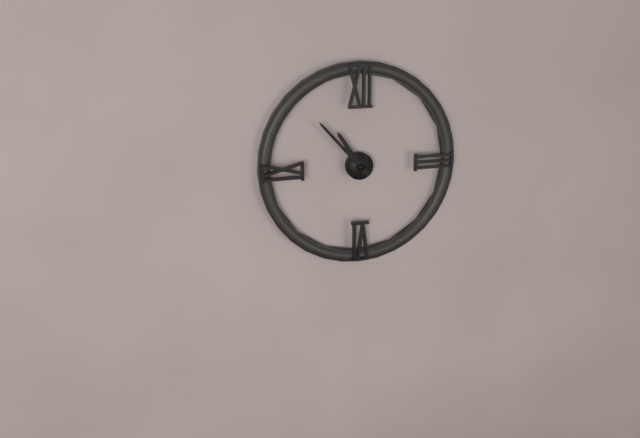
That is 10:53
